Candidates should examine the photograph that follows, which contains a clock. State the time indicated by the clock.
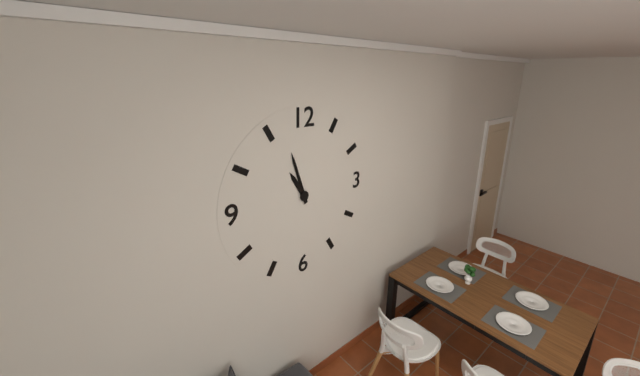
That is 10:57
